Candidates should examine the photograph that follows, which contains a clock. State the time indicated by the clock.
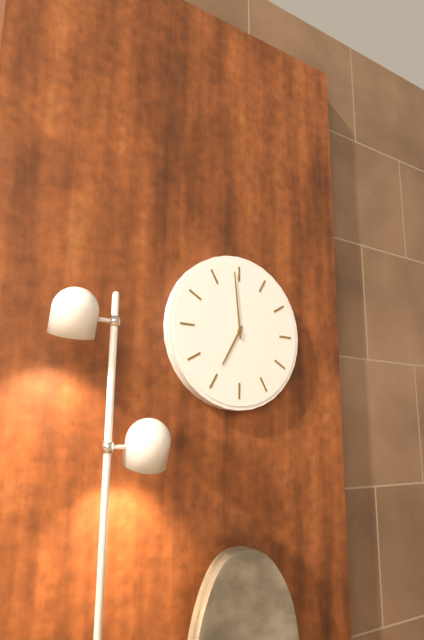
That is 6:59
